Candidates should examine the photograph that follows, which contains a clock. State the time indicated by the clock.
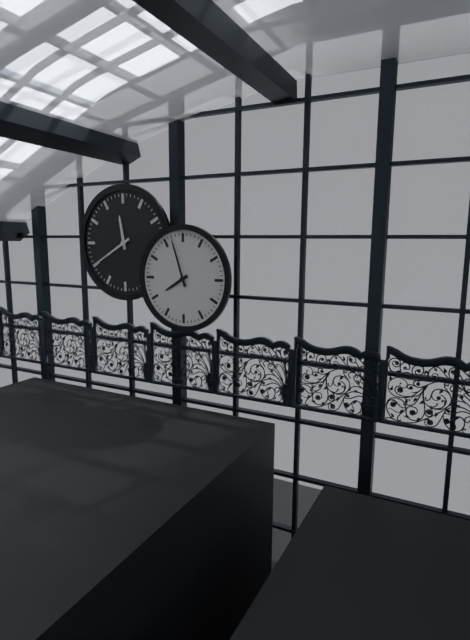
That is 7:57
